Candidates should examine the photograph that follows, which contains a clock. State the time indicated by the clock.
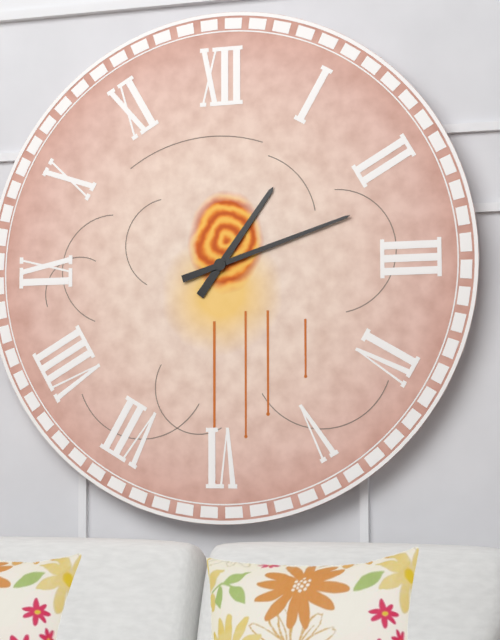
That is 1:12
